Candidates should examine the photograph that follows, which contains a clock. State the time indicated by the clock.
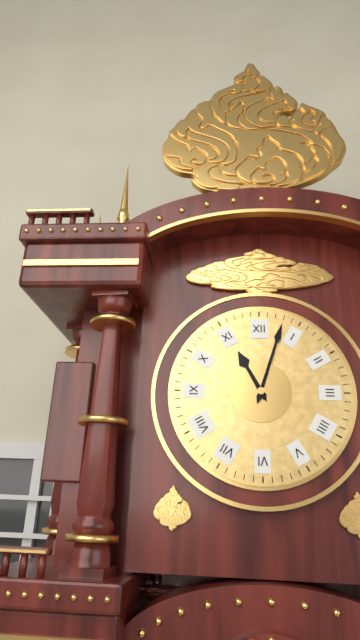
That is 11:03
